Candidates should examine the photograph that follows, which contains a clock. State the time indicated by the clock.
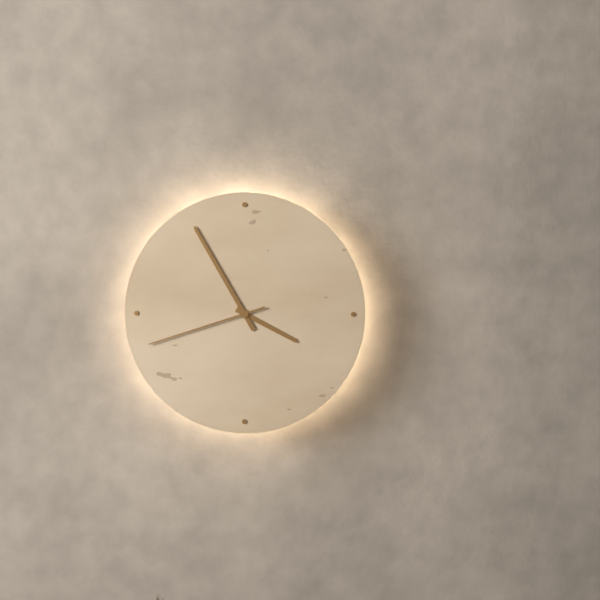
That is 3:55:42
